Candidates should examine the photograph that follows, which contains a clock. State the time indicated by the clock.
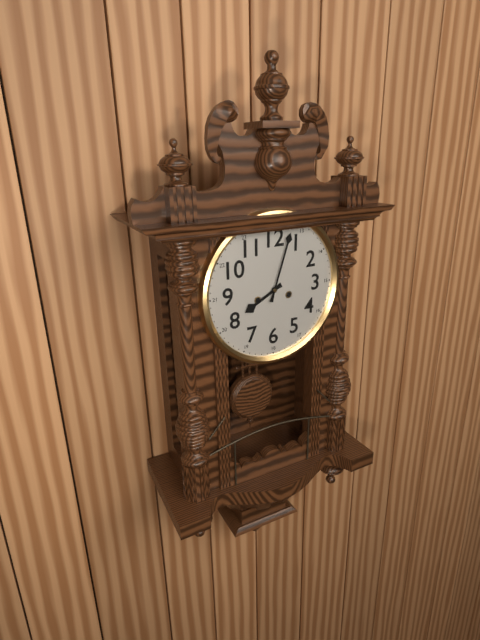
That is 8:03
